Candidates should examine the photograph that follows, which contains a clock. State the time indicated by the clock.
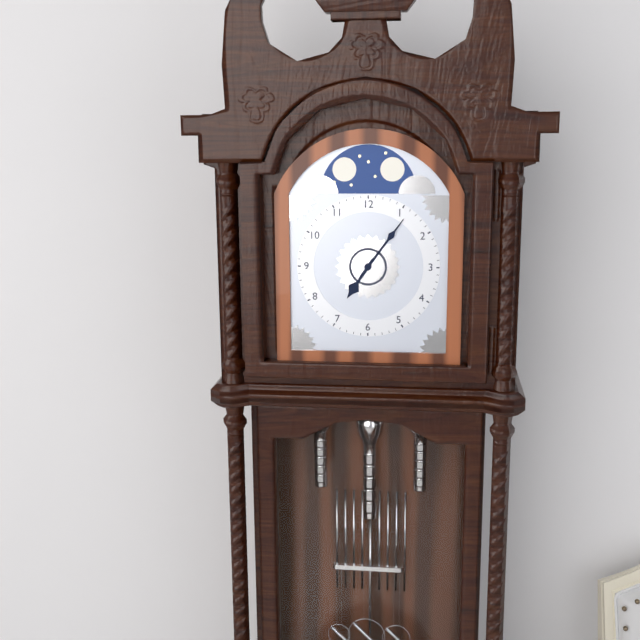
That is 7:06
